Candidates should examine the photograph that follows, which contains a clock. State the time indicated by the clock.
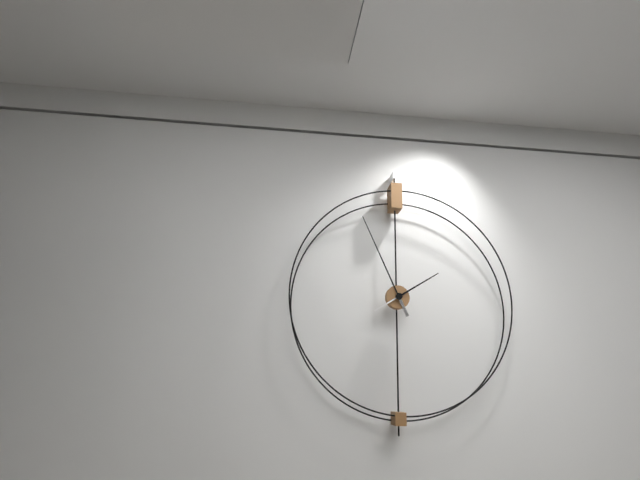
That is 1:56
